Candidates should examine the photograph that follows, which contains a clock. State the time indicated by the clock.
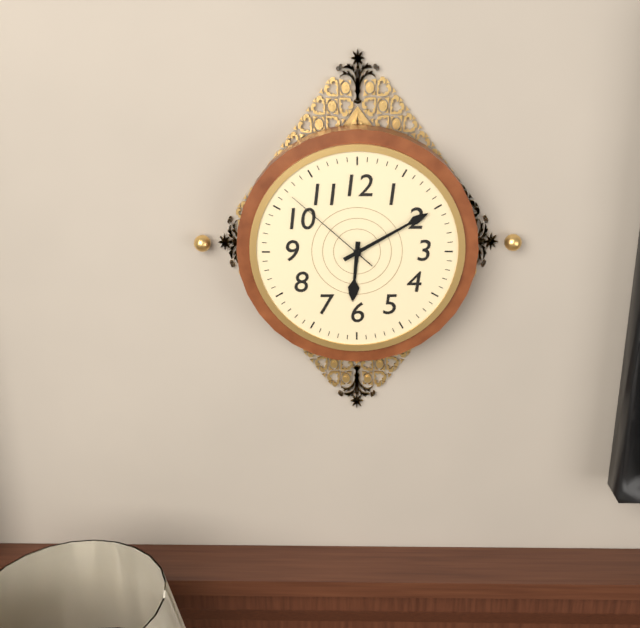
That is 6:10:52
